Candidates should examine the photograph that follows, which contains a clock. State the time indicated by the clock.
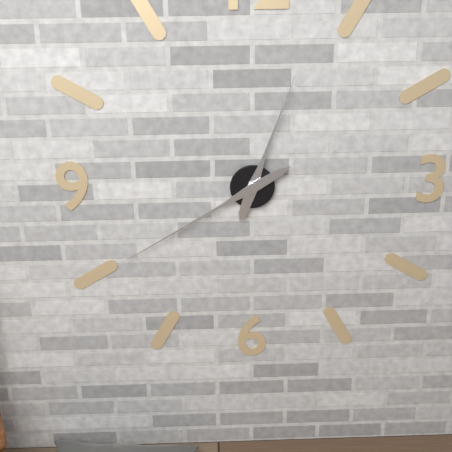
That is 12:40
